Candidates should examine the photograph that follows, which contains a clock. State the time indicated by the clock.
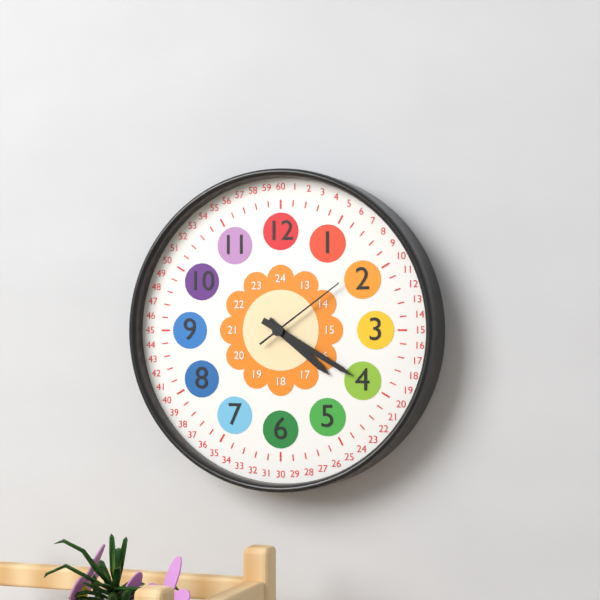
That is 4:20:09
